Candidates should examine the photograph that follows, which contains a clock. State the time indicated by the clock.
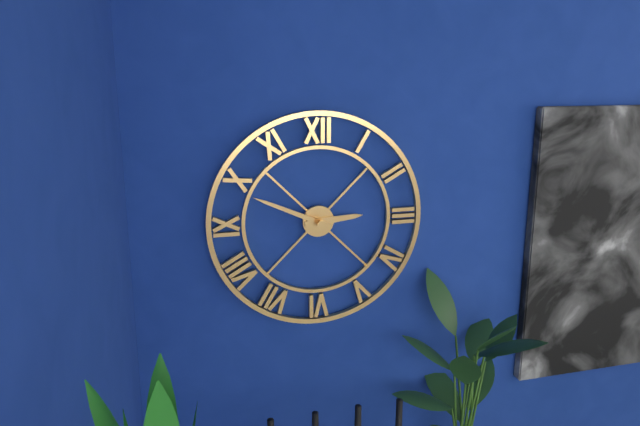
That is 2:49
